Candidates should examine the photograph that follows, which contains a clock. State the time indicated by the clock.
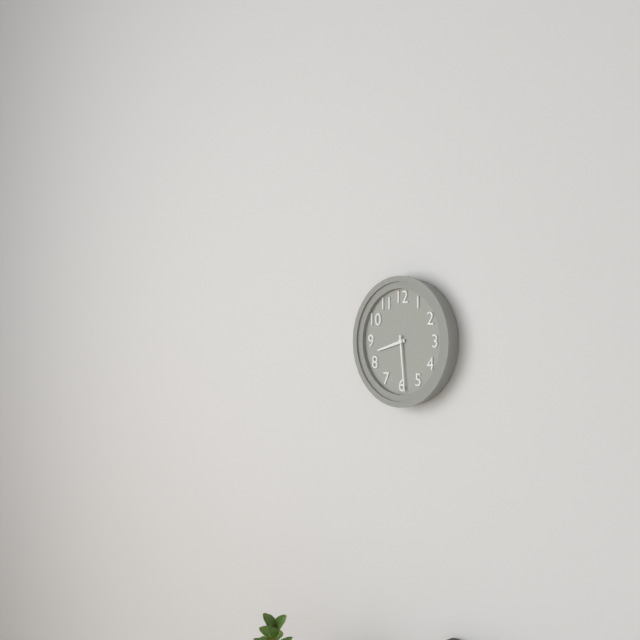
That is 8:29
